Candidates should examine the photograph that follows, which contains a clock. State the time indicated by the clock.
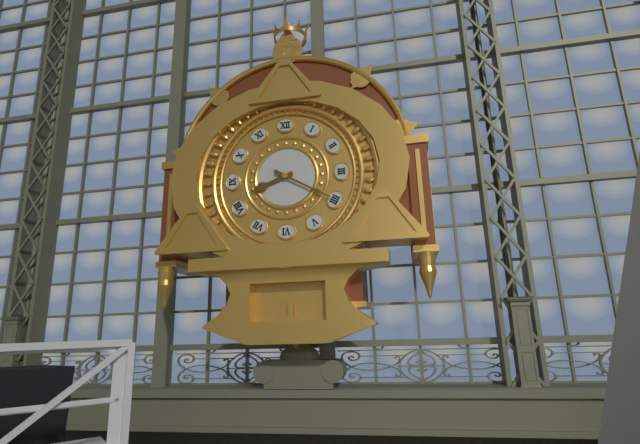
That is 8:20
